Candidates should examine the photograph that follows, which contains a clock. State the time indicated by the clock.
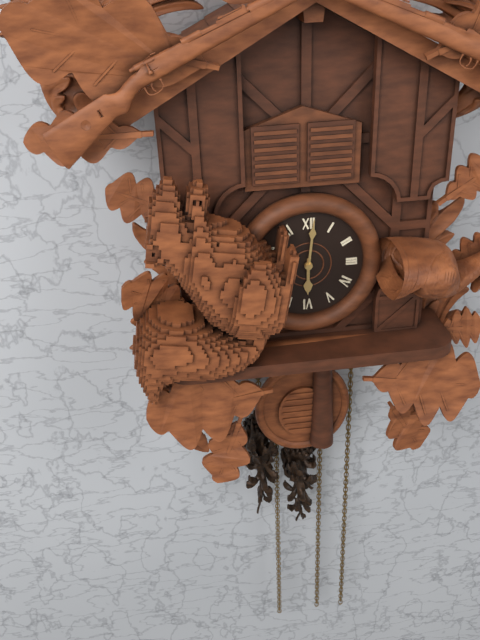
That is 6:01
